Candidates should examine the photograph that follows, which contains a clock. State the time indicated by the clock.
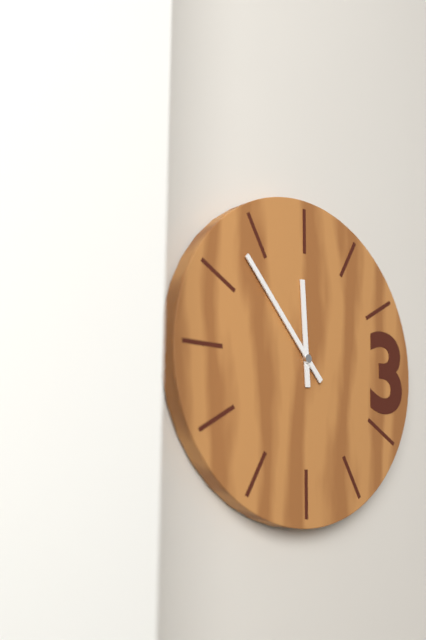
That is 11:53
